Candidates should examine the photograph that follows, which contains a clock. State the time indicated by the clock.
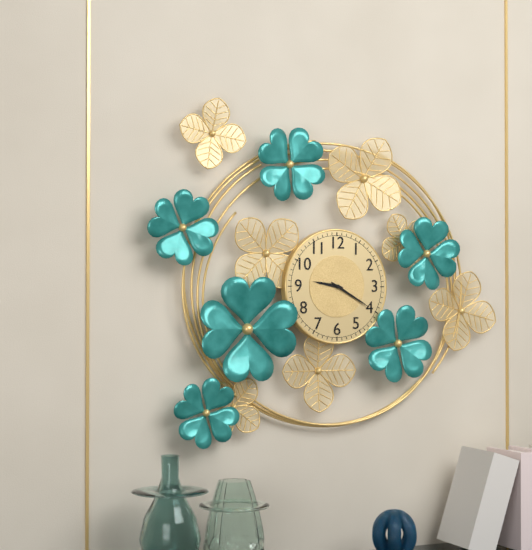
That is 9:20
